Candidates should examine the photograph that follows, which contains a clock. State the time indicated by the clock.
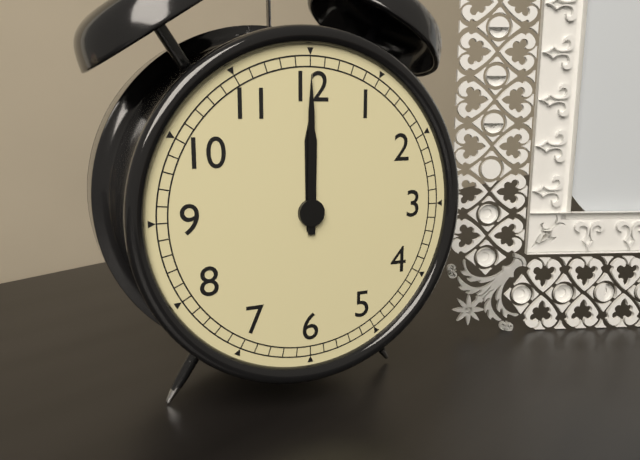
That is 12:00
